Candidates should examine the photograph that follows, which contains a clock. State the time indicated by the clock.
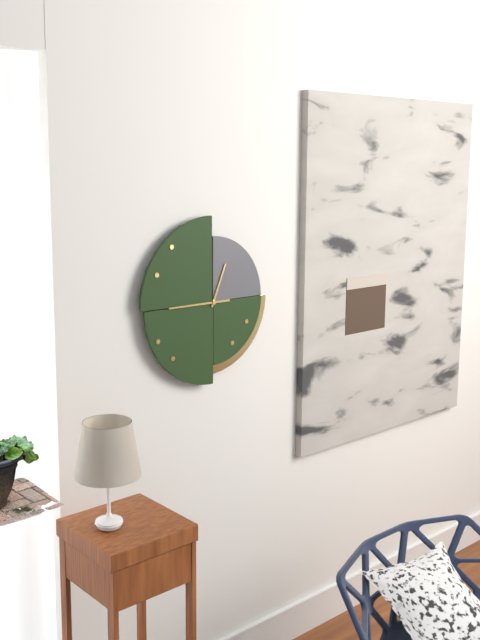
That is 12:45
